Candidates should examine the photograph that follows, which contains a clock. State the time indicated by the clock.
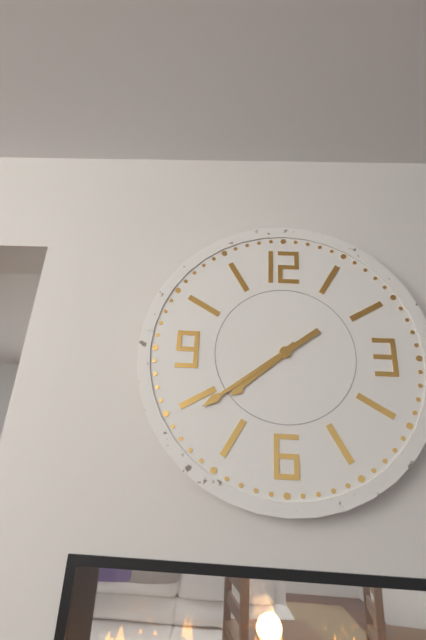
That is 7:39
